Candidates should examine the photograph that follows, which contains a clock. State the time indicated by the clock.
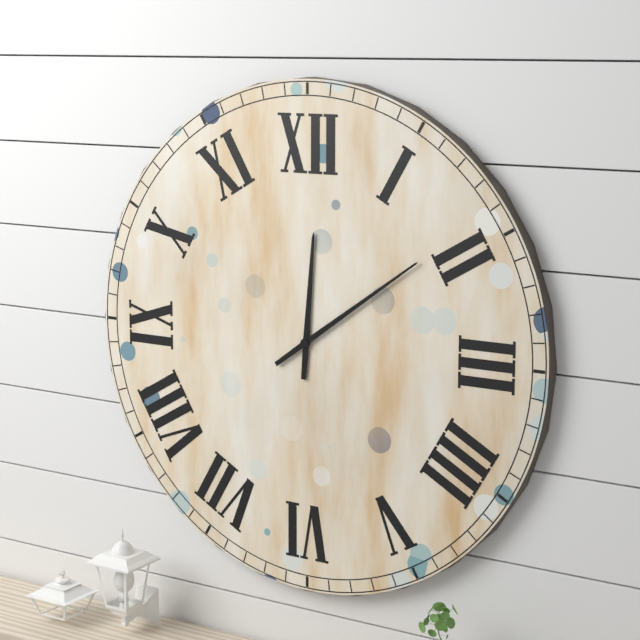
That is 12:09
